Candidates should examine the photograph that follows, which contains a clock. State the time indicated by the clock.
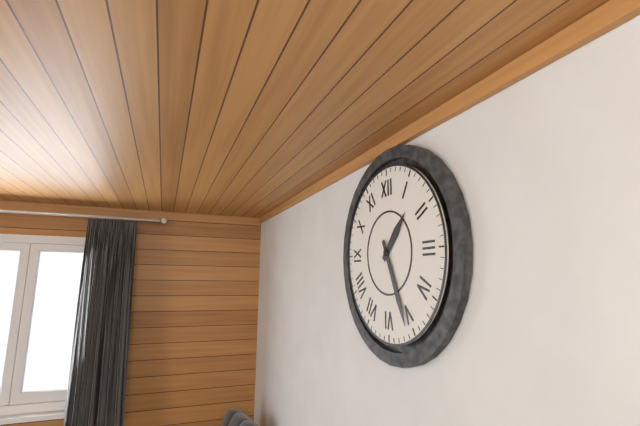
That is 1:26
